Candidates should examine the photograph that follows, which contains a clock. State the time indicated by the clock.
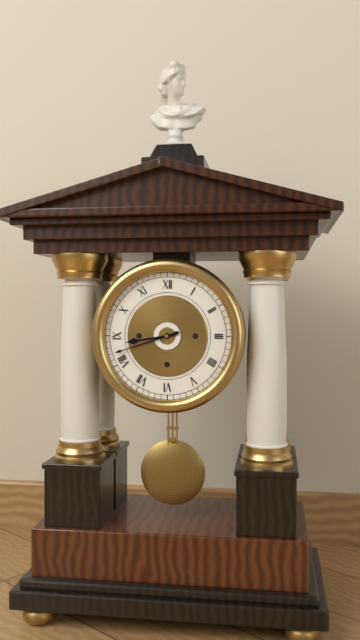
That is 8:42
